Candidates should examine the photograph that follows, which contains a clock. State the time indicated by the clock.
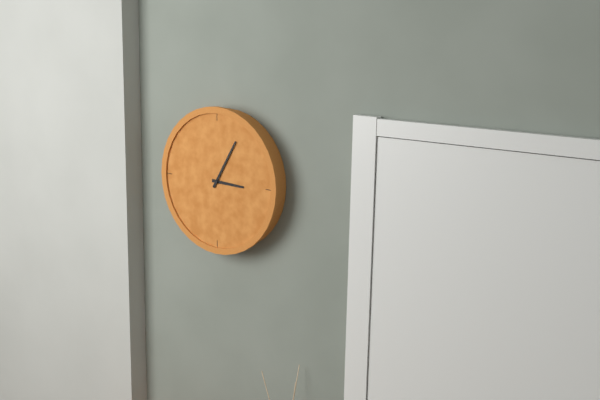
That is 3:05
